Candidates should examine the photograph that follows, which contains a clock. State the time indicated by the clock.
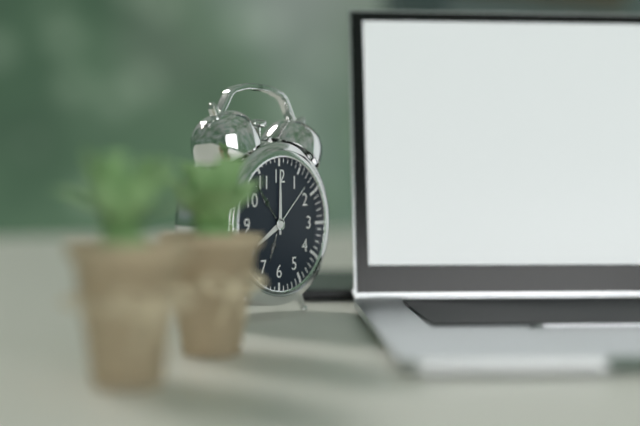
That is 8:00
